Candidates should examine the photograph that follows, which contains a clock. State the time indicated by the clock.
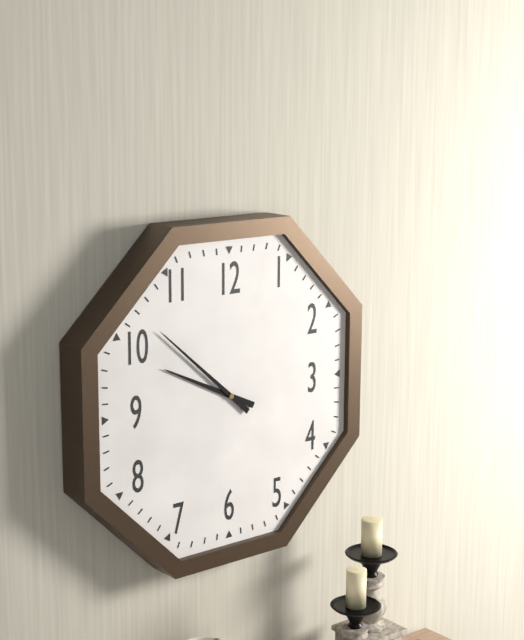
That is 9:52
